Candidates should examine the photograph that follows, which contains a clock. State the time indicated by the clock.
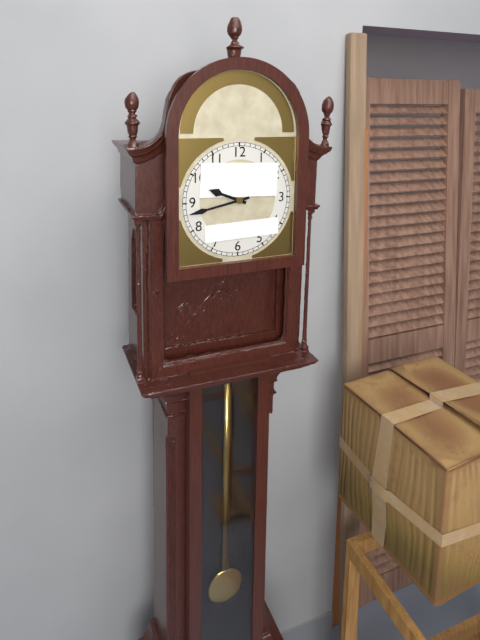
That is 9:43
